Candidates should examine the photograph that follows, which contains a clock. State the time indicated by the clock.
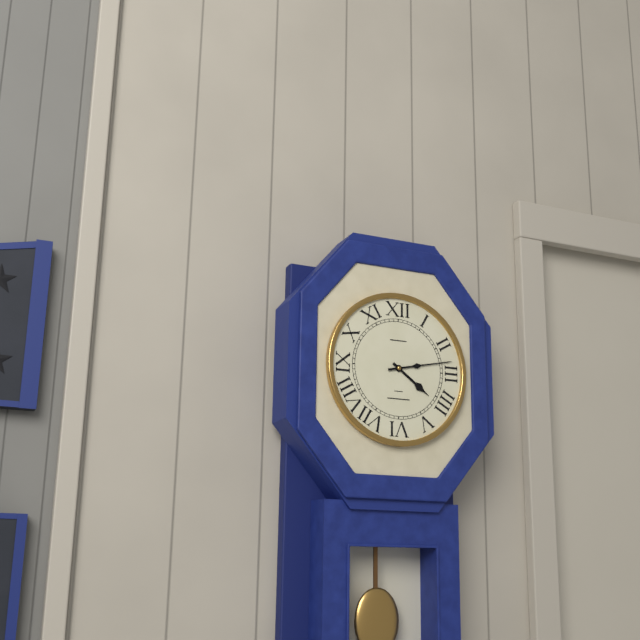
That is 4:13
